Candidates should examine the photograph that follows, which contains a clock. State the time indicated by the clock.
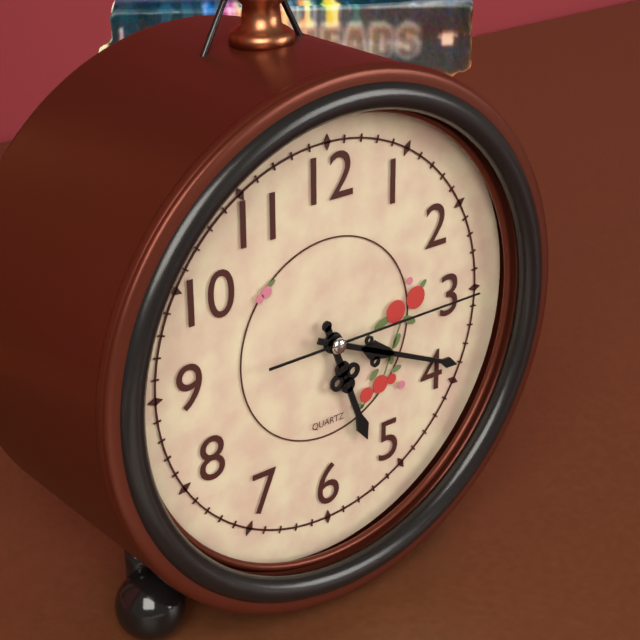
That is 5:19:15
